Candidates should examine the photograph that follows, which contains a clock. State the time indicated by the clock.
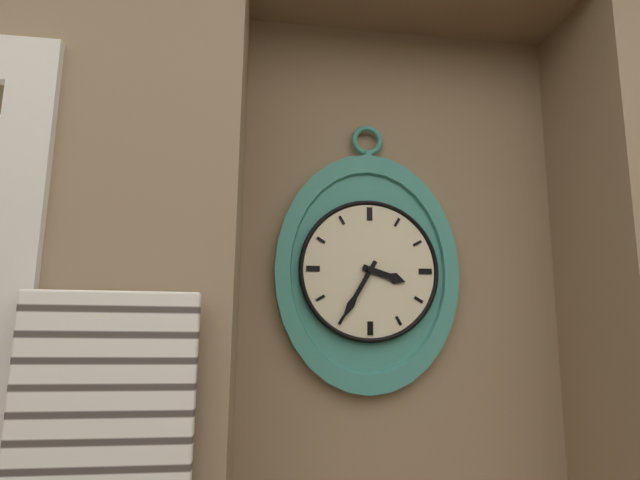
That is 3:35
